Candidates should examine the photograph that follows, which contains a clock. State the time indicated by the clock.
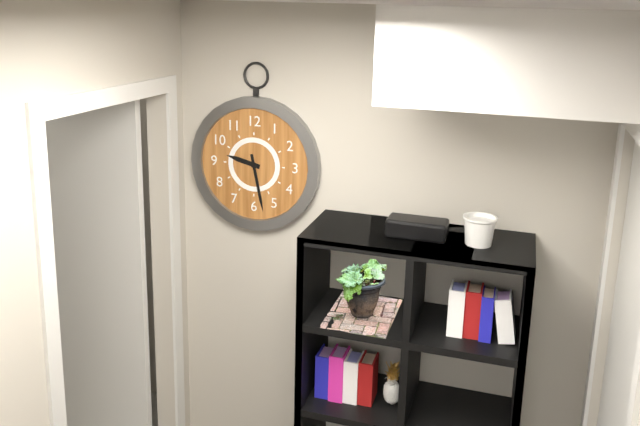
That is 9:28
